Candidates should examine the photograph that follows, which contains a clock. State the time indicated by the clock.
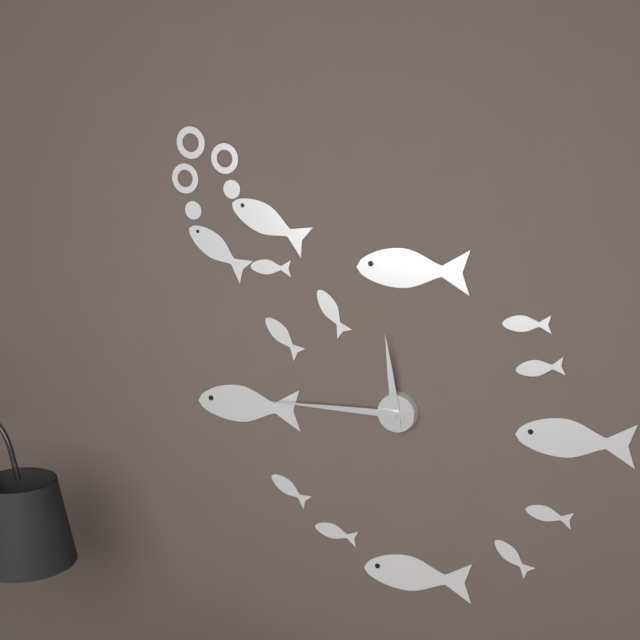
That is 11:45
